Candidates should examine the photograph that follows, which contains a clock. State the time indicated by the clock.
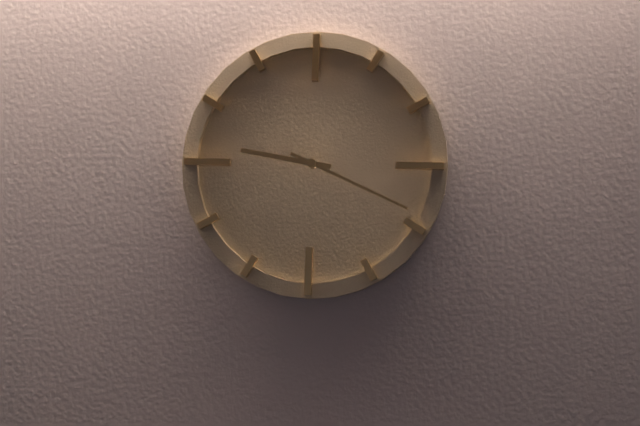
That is 9:19
